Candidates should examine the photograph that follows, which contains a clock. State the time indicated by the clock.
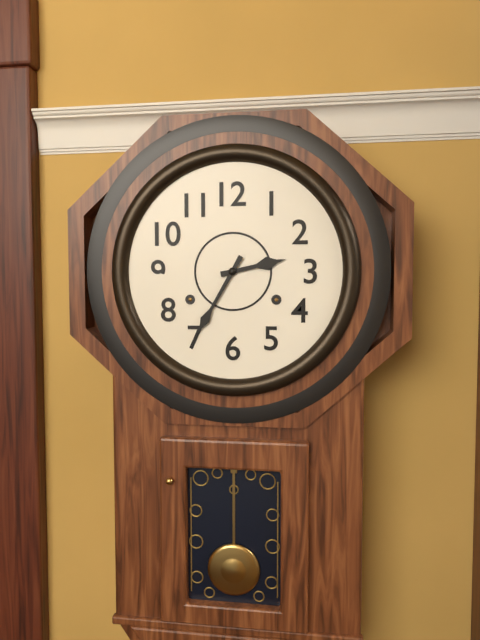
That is 2:35
